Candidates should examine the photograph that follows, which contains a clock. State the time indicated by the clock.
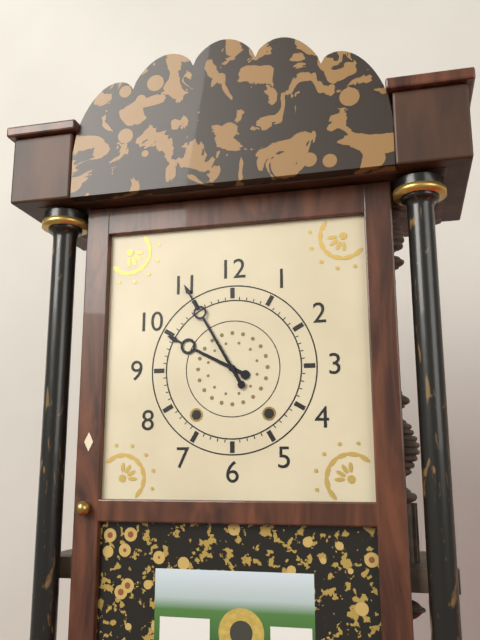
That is 9:55
